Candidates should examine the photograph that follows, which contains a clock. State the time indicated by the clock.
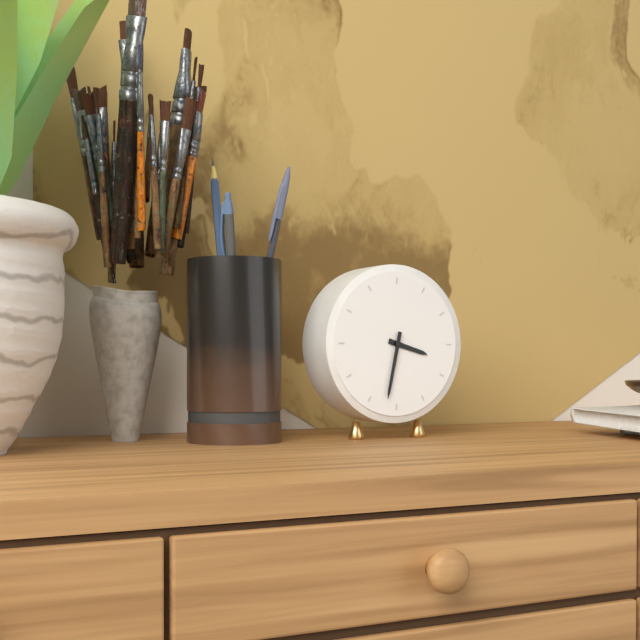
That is 3:32
